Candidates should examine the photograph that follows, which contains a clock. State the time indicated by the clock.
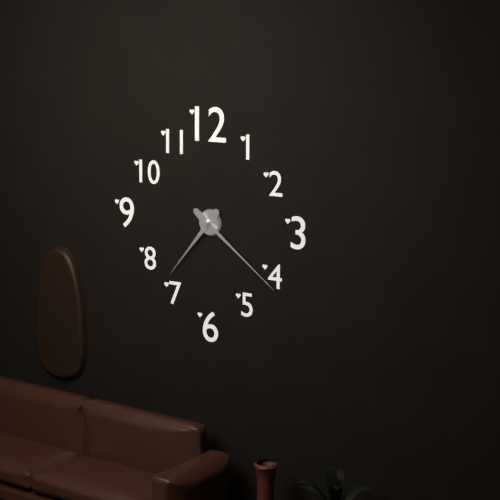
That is 7:21
